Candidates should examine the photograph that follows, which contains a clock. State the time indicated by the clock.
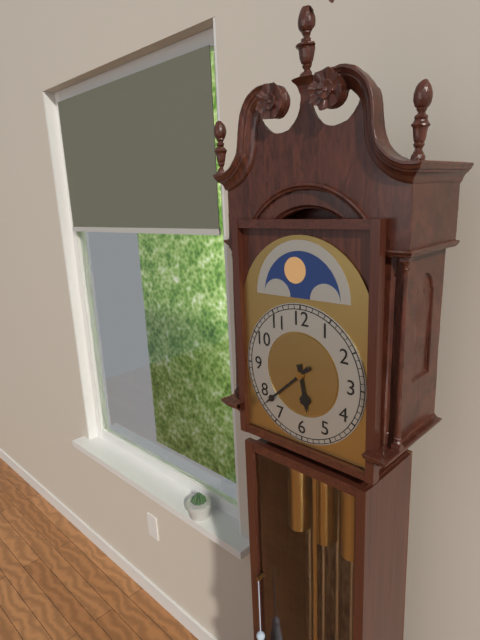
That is 5:38
